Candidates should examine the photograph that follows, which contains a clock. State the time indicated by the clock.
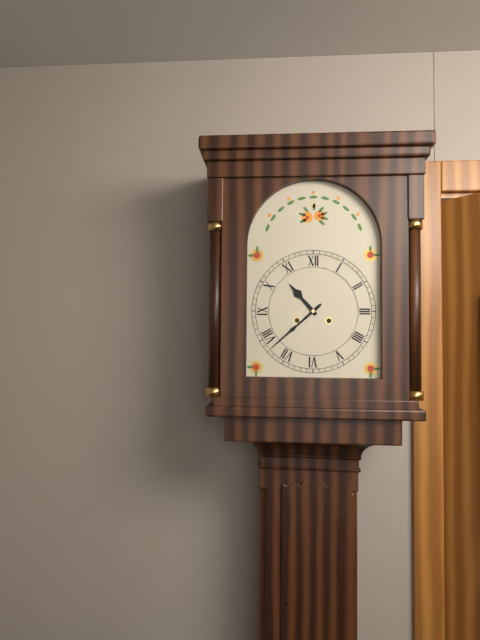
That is 10:38
